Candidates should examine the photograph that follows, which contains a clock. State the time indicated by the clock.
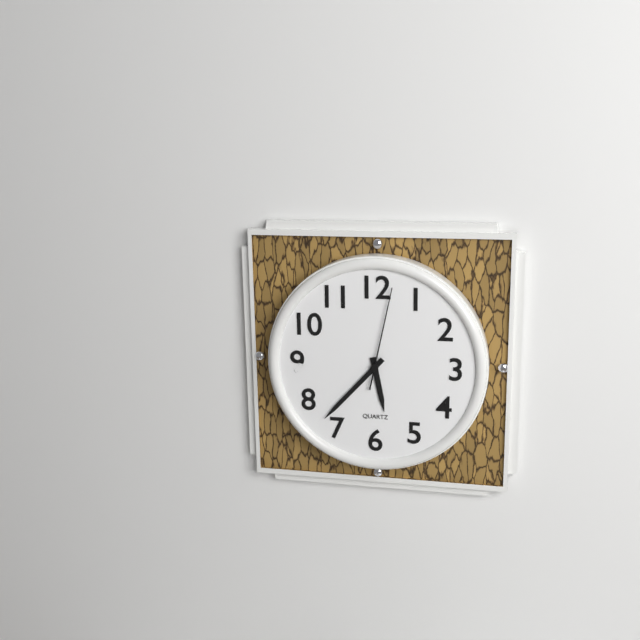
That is 5:37:02
